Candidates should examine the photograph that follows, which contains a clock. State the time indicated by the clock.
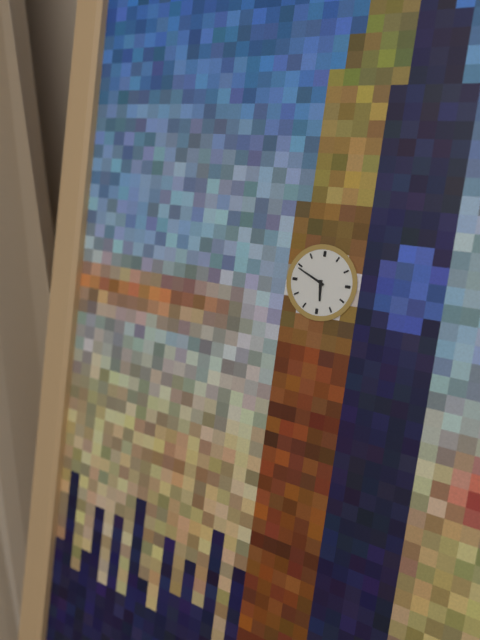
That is 5:49
